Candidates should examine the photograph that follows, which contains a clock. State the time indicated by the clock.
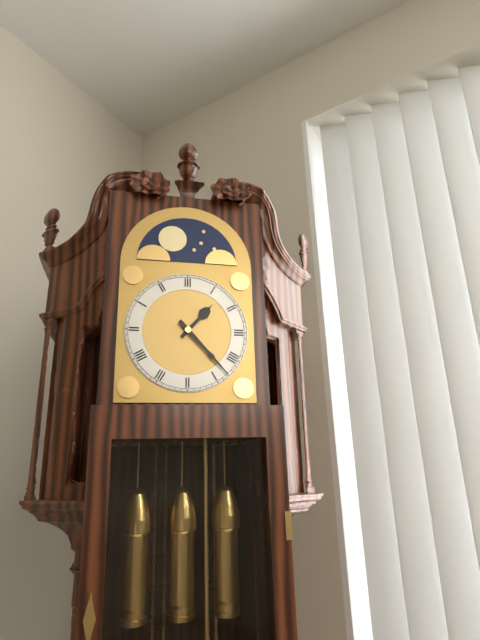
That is 1:23
